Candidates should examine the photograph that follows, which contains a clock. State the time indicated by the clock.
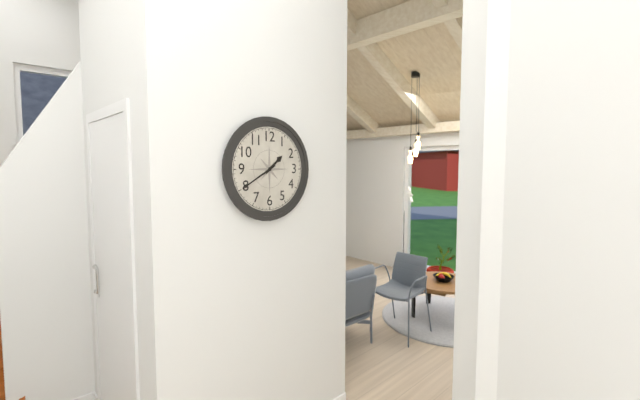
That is 1:40
